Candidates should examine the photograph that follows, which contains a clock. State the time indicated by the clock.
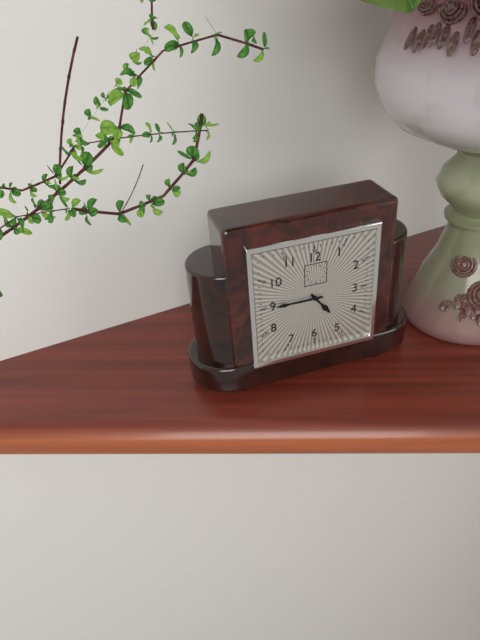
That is 4:45
